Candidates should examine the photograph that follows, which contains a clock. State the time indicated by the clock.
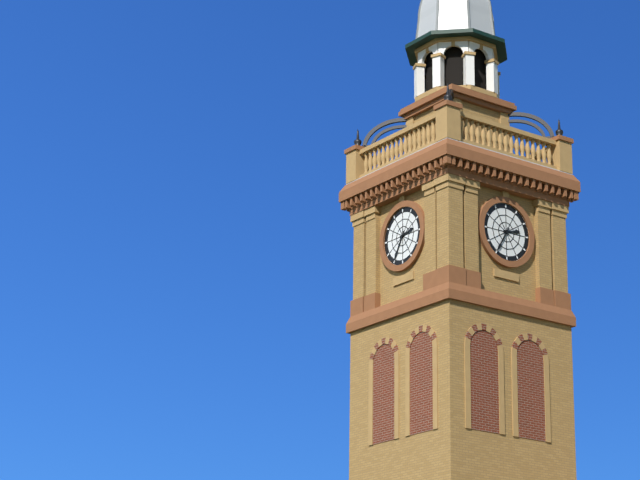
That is 2:35
